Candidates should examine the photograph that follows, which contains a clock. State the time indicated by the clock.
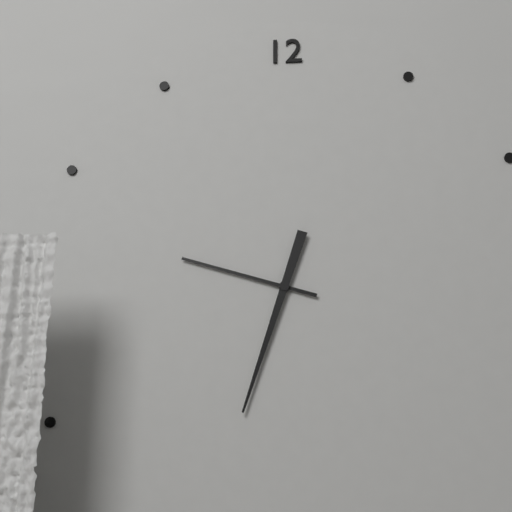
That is 9:33
